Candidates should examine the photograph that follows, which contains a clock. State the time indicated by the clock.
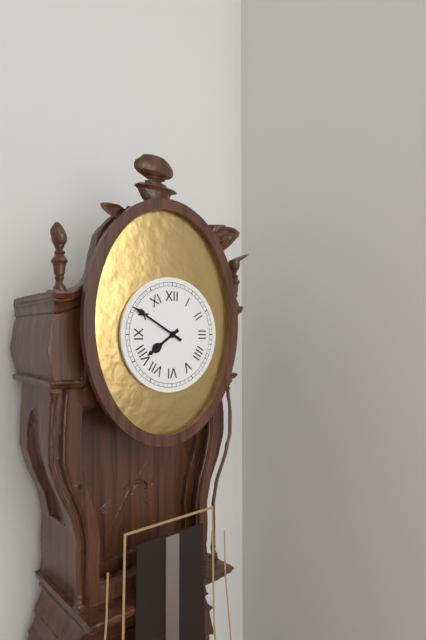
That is 7:50
